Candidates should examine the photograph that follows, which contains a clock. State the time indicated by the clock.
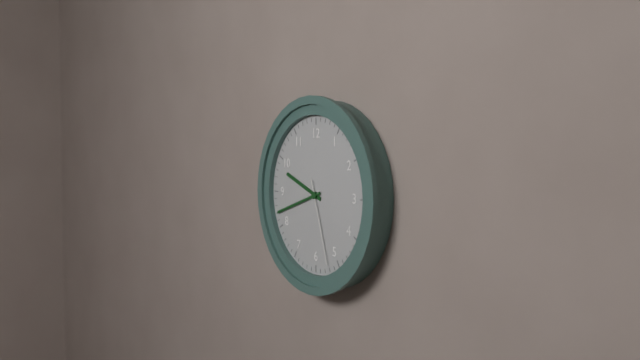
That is 9:42:27
